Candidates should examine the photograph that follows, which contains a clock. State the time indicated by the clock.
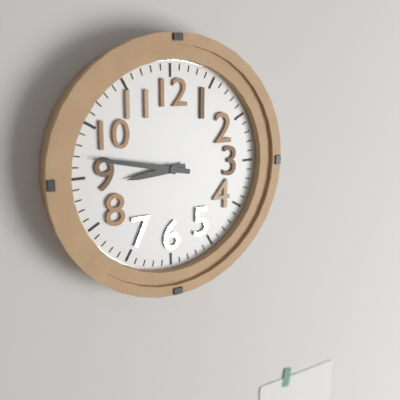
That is 8:47
